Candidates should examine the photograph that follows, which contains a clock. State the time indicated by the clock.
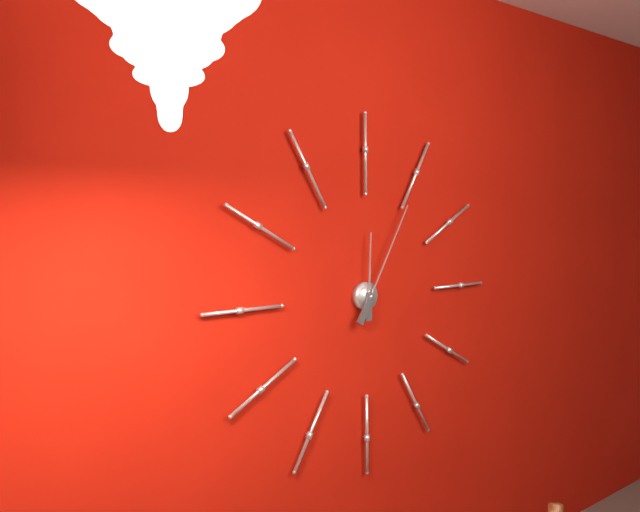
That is 12:05
